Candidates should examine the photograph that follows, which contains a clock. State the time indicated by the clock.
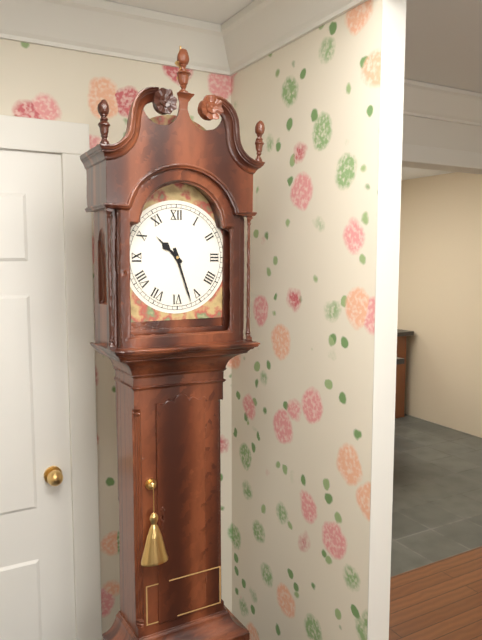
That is 10:27
